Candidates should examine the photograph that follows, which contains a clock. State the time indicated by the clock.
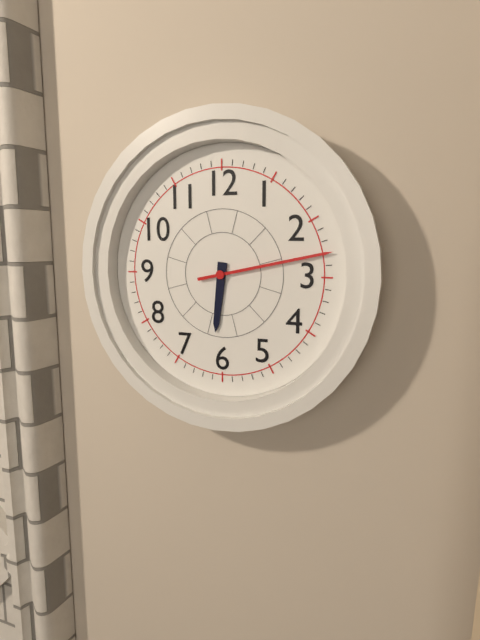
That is 6:13
